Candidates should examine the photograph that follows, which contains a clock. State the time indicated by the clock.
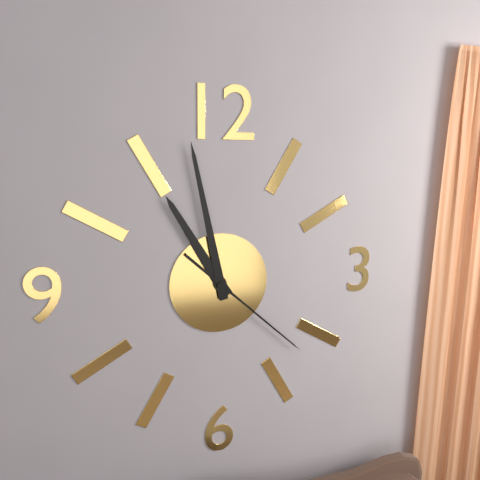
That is 10:58:22
